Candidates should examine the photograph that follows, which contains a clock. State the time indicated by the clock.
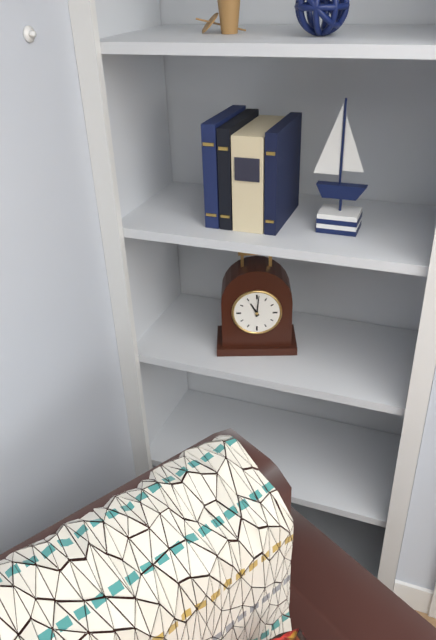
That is 11:01
